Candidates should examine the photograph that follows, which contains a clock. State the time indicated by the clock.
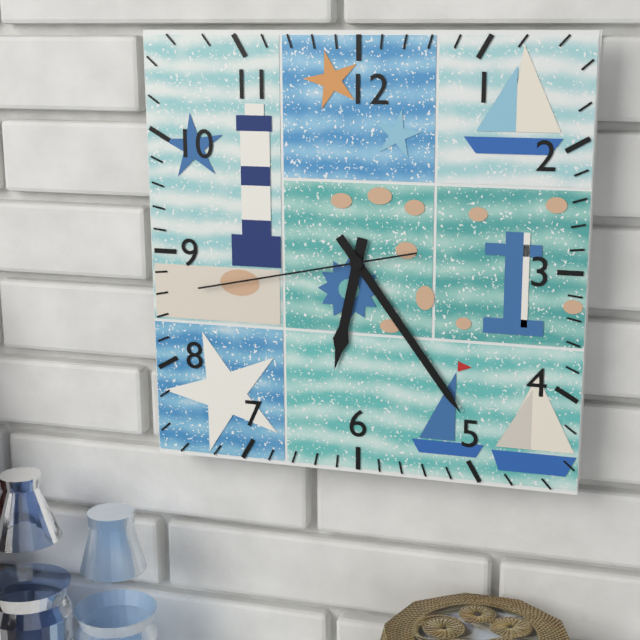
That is 6:24:43
